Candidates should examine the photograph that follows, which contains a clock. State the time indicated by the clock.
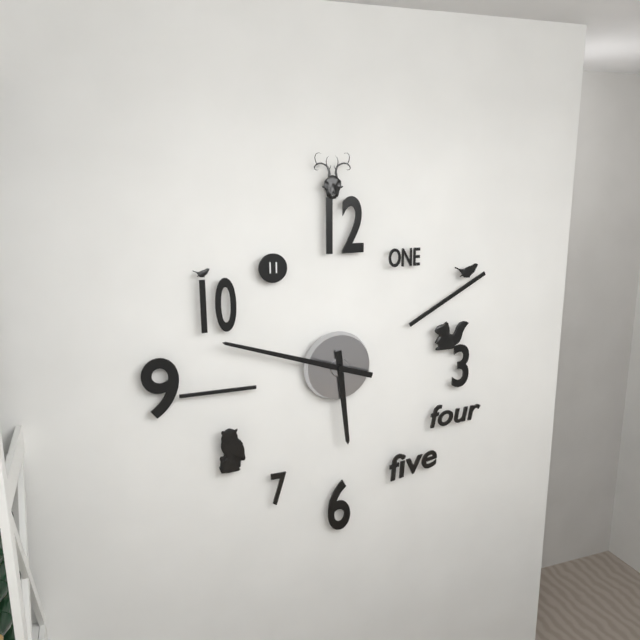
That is 5:48
